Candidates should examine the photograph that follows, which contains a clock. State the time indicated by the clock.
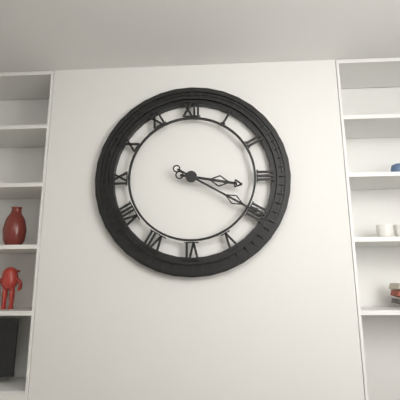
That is 3:20
